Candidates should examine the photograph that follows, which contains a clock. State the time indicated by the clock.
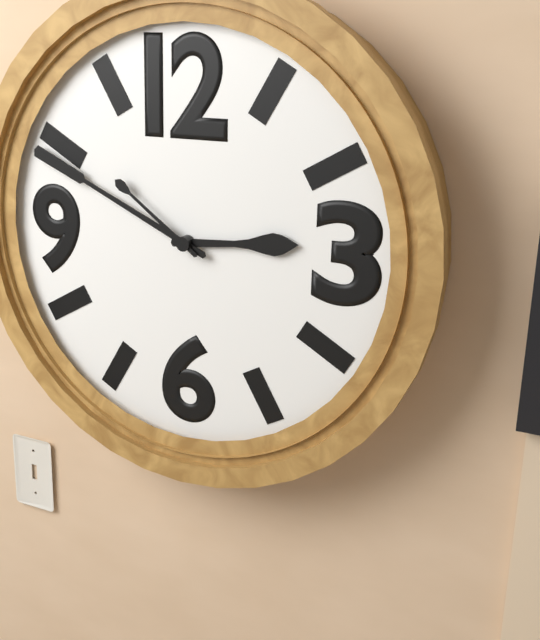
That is 2:49:51
